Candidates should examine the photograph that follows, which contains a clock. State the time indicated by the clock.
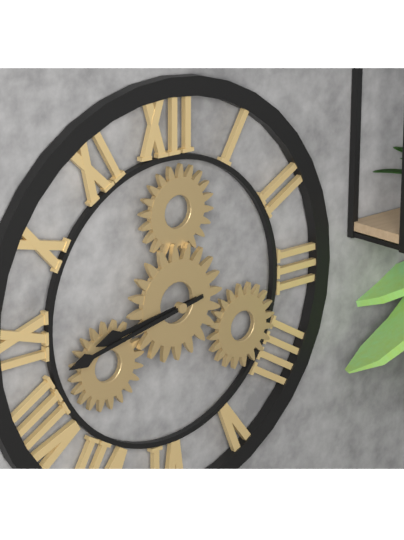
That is 8:43
